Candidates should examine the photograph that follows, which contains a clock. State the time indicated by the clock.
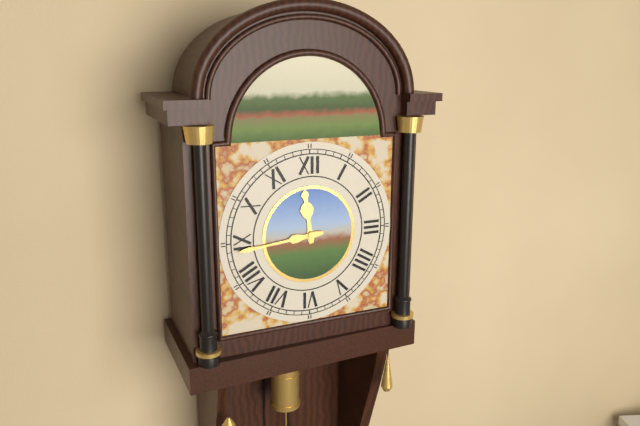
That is 11:44
